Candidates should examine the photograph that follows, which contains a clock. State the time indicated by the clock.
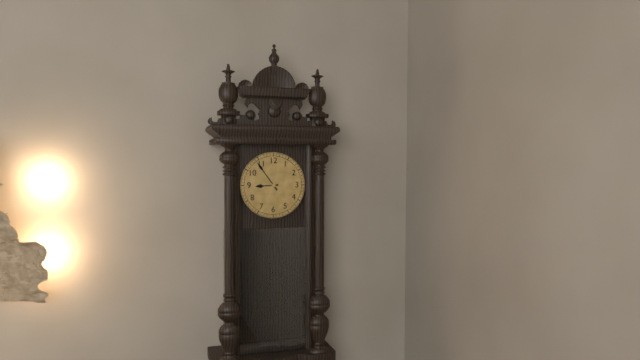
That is 8:54
